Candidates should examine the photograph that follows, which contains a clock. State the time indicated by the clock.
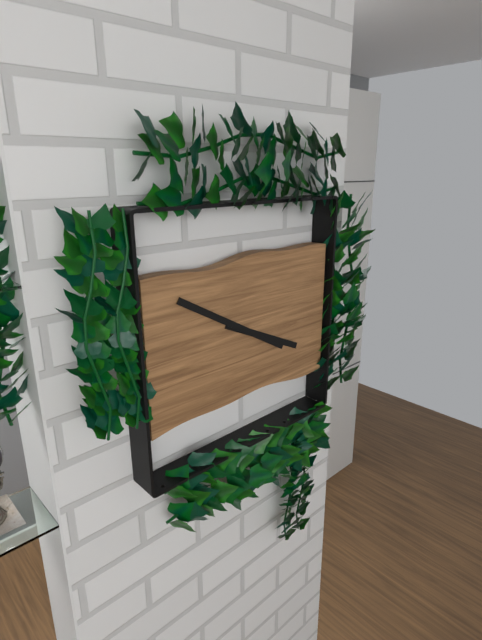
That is 3:50
